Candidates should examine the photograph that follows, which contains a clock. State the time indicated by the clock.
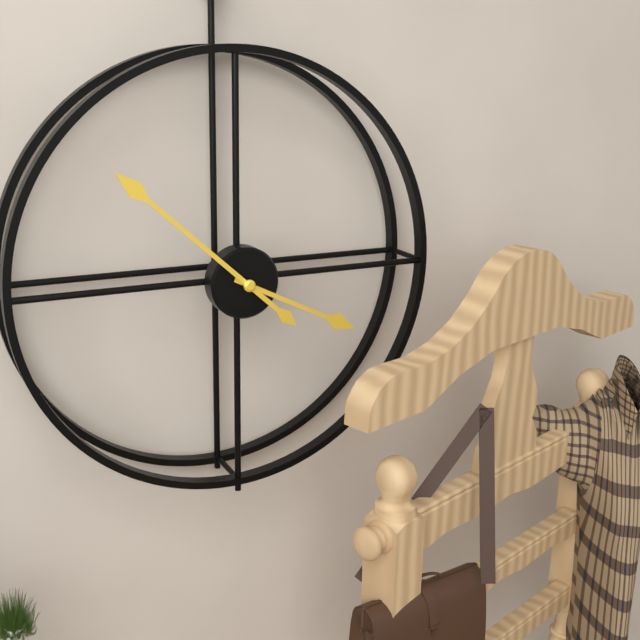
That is 3:52
